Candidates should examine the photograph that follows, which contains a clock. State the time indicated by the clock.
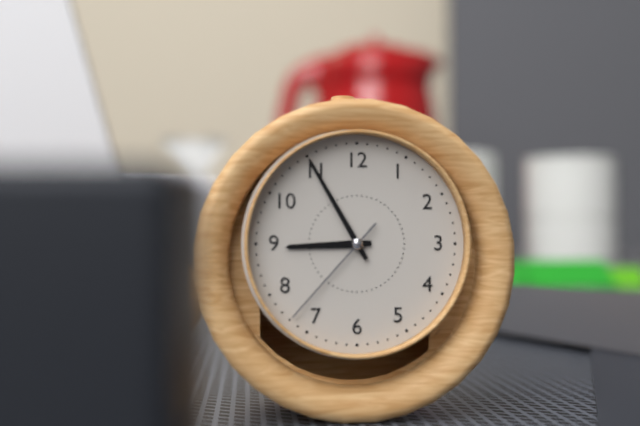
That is 8:55:37
